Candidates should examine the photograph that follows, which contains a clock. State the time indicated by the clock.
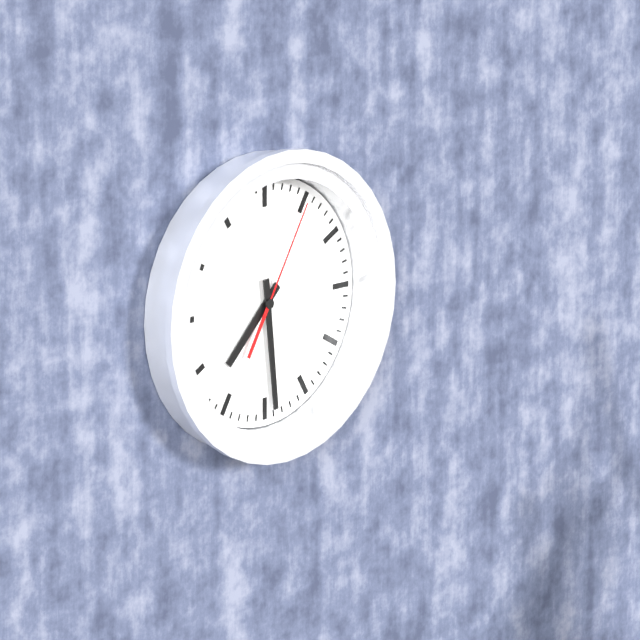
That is 7:29:05
